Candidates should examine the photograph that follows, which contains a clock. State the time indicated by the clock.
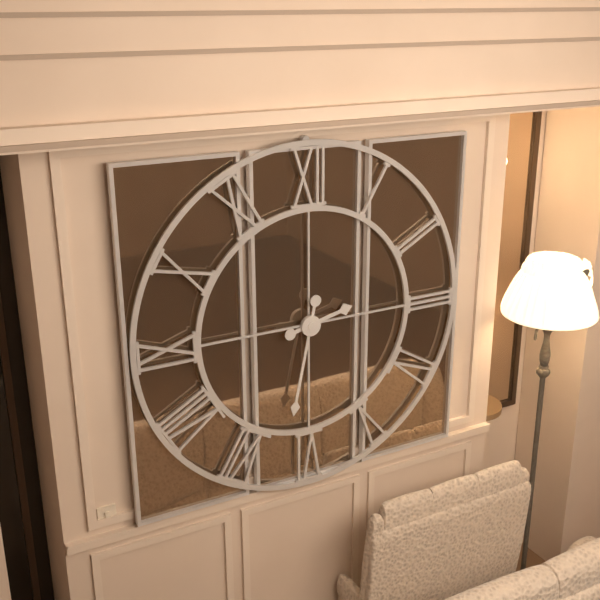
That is 2:32
